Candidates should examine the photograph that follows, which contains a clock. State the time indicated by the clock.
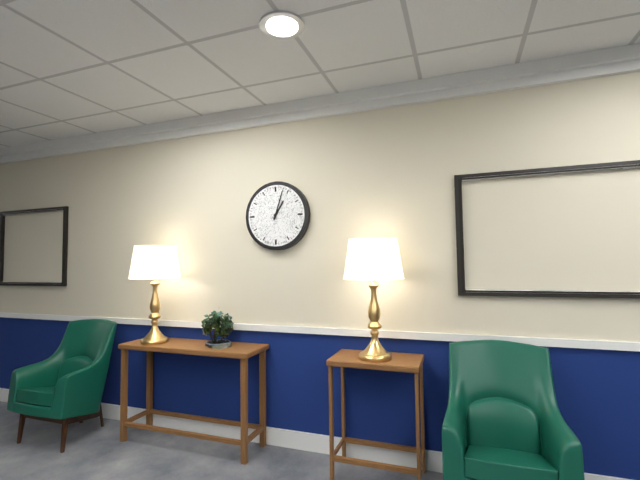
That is 1:03
